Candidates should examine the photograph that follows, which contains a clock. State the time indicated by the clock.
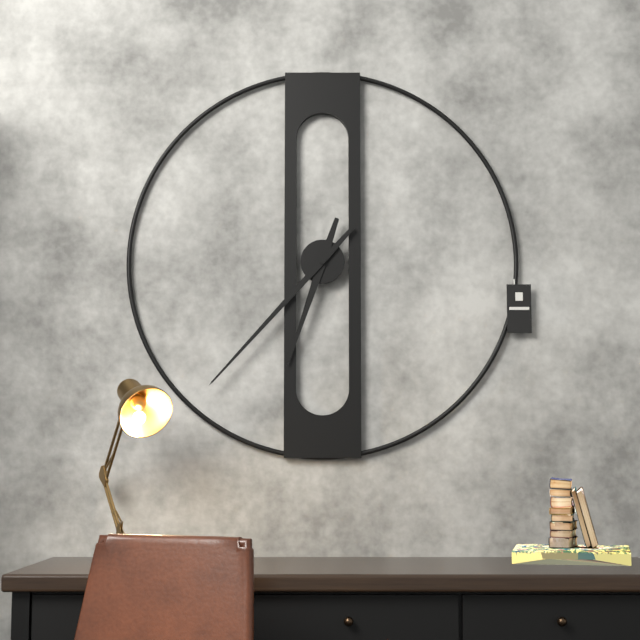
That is 6:37
